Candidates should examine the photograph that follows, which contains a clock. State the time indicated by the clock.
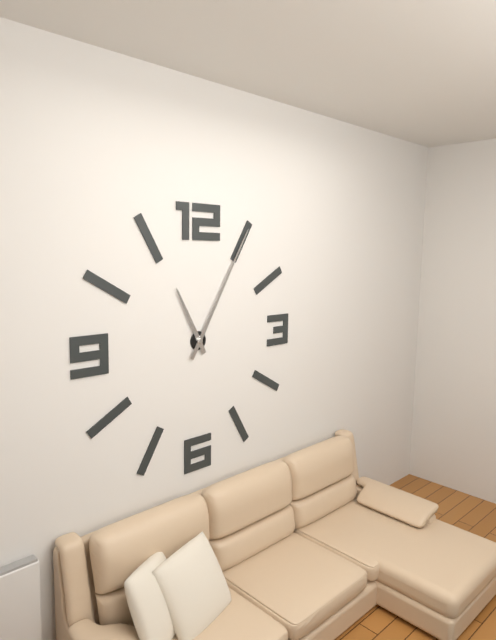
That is 11:05
